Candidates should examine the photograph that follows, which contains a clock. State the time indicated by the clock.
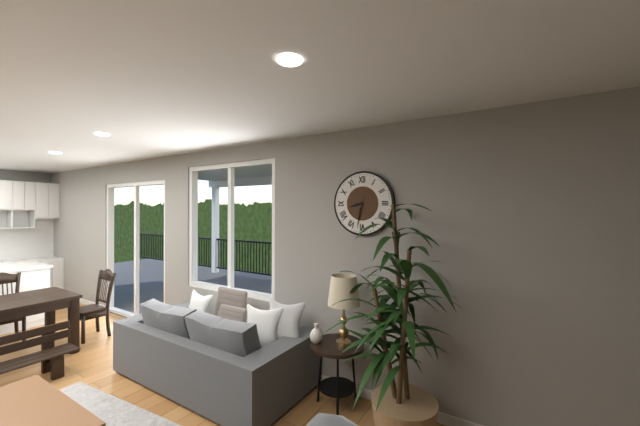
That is 8:32
